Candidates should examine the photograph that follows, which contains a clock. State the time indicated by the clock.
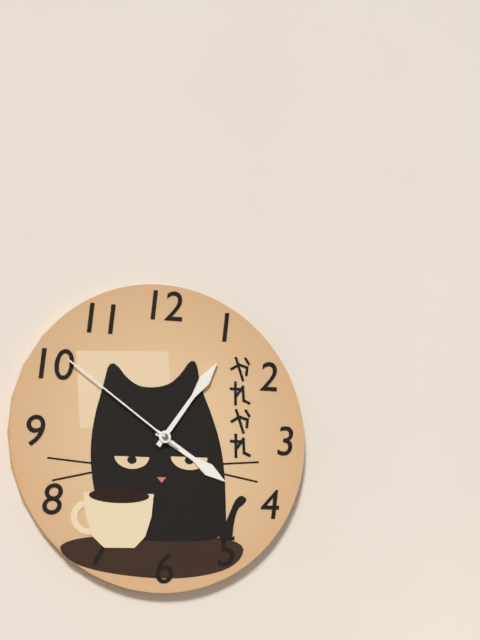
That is 4:06:51
